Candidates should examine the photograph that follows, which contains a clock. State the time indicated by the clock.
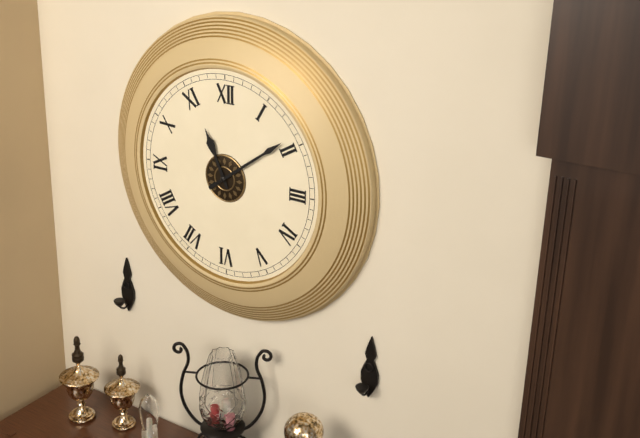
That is 11:09
